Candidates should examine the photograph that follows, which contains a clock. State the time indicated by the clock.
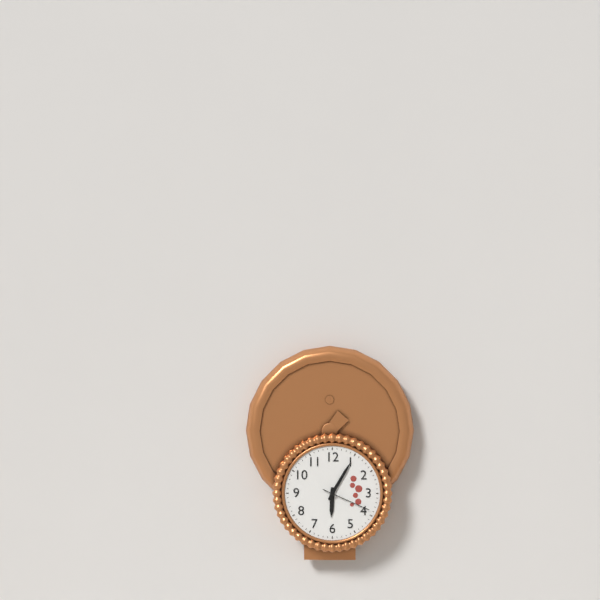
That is 6:05:19
